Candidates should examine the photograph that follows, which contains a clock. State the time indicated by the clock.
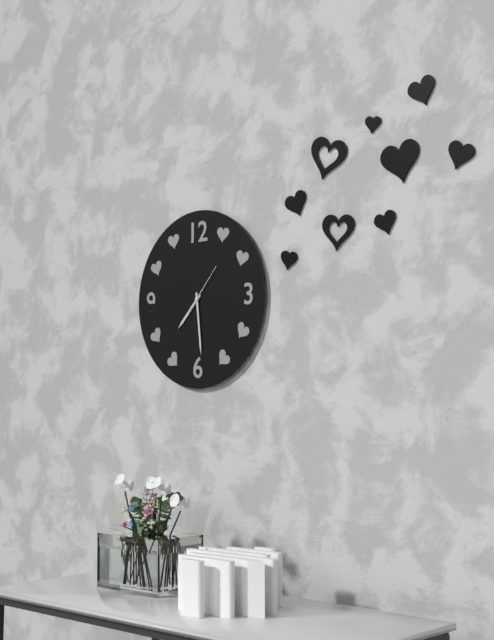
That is 7:29
